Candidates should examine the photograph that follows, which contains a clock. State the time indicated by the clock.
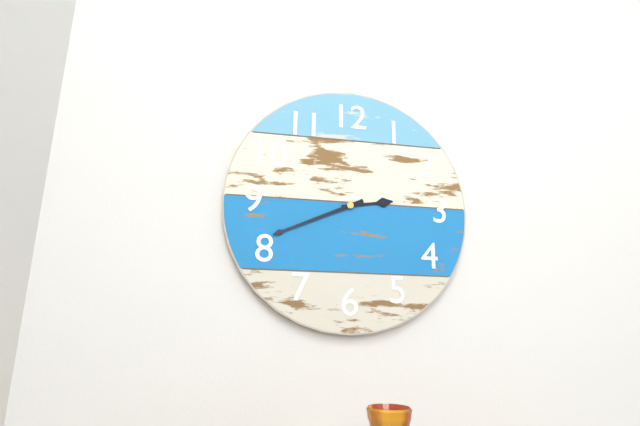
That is 2:41
